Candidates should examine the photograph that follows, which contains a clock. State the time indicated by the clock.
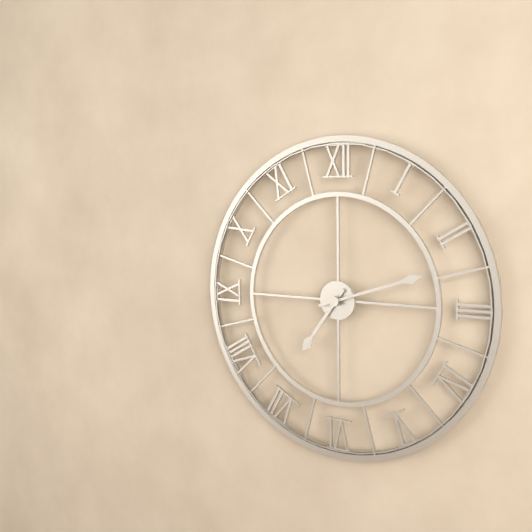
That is 7:12
